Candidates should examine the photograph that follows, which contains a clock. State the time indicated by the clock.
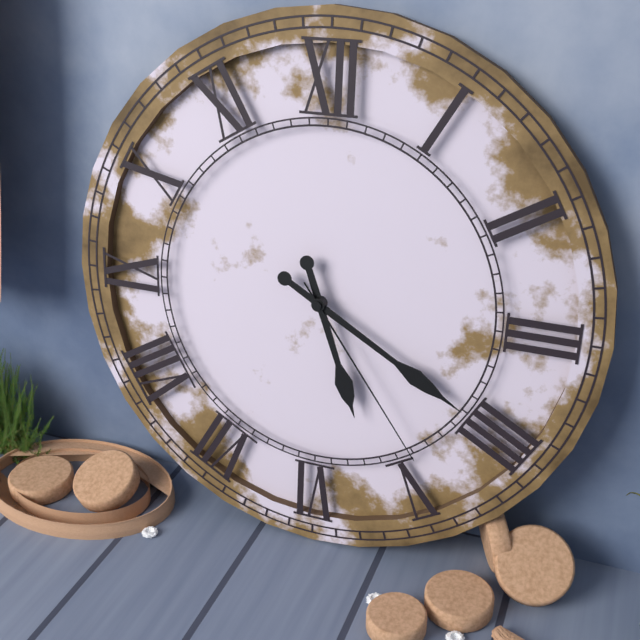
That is 5:20:24
